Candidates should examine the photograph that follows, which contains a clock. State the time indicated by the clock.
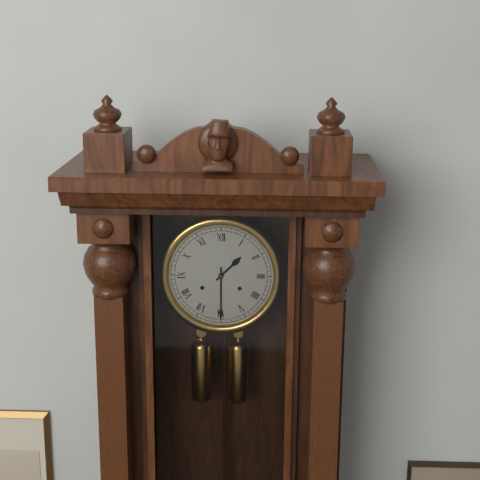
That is 1:30
